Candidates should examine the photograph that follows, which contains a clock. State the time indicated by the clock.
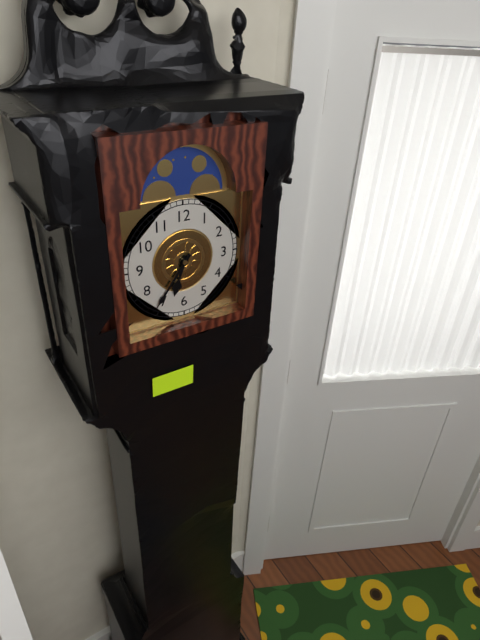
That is 6:36
